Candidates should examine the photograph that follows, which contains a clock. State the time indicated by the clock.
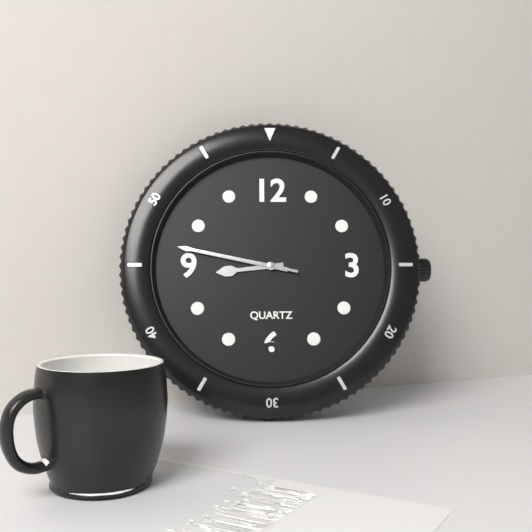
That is 8:47:47
